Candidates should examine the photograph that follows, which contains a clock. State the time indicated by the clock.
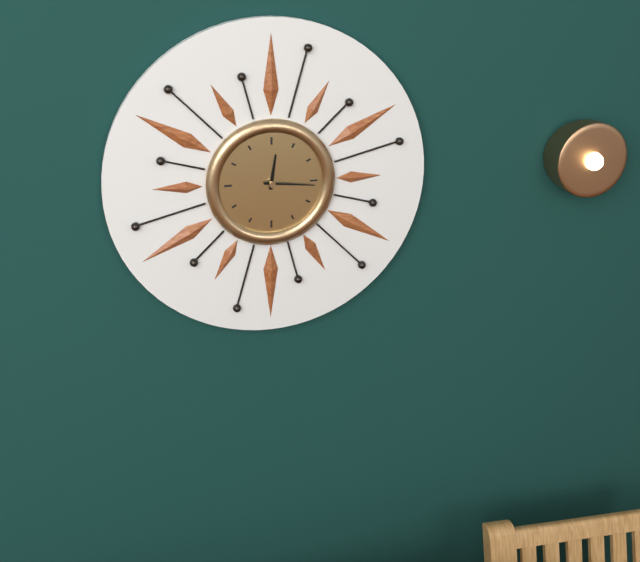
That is 12:16
